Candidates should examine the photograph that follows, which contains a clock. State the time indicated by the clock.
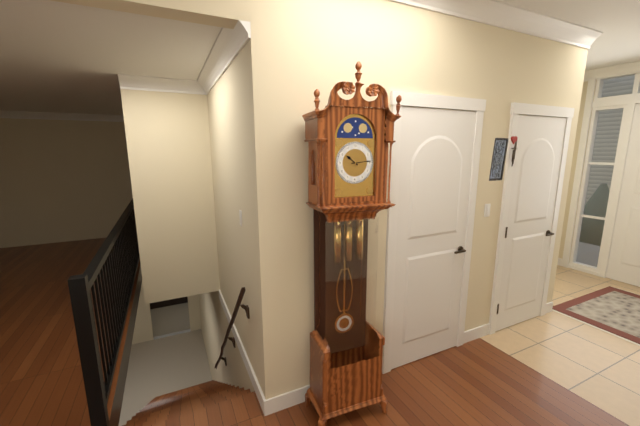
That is 10:14
